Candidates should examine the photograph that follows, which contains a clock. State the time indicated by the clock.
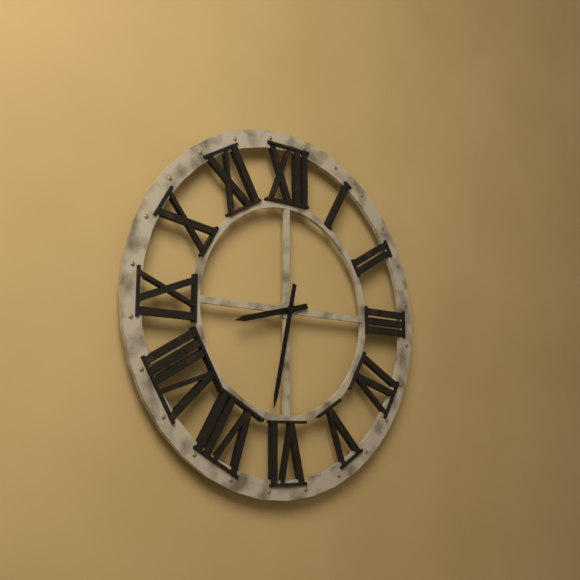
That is 8:32
